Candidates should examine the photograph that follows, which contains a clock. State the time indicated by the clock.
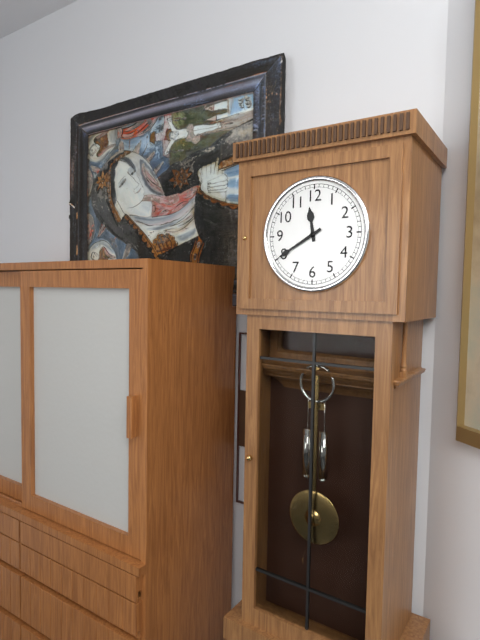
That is 11:40
